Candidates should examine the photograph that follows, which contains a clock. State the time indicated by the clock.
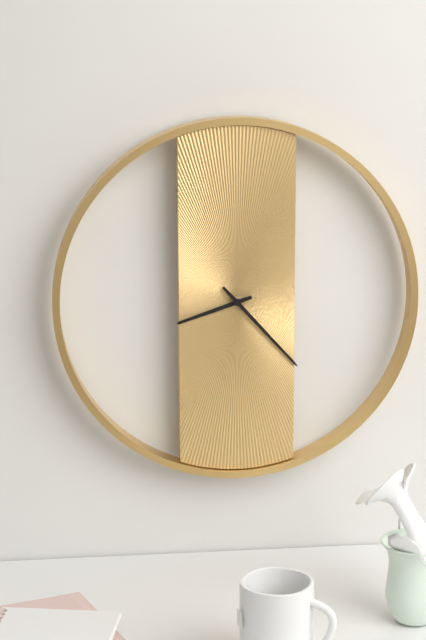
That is 8:23
